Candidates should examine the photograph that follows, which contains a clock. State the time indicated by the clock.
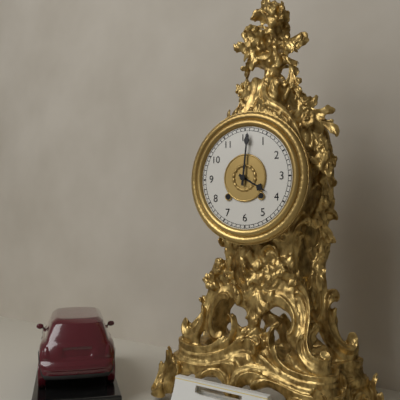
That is 4:01
